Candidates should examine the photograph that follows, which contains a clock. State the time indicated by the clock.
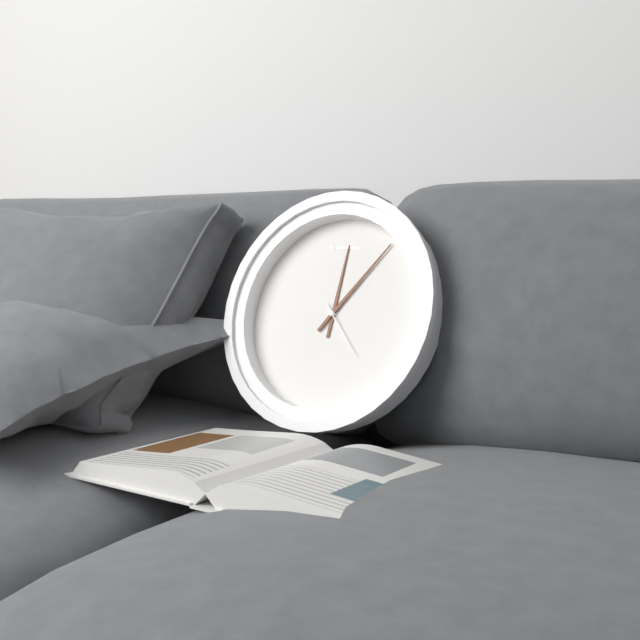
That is 12:06:23
